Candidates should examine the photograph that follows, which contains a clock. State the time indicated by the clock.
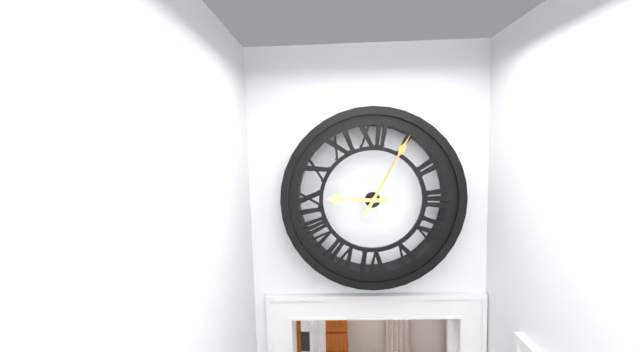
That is 9:05
